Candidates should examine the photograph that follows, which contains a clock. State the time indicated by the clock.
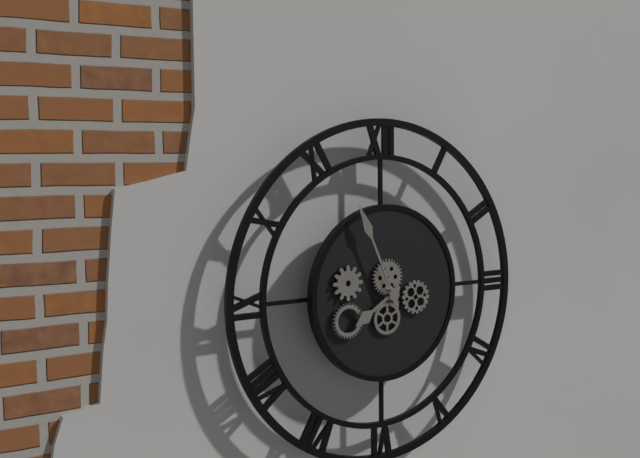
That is 7:56
